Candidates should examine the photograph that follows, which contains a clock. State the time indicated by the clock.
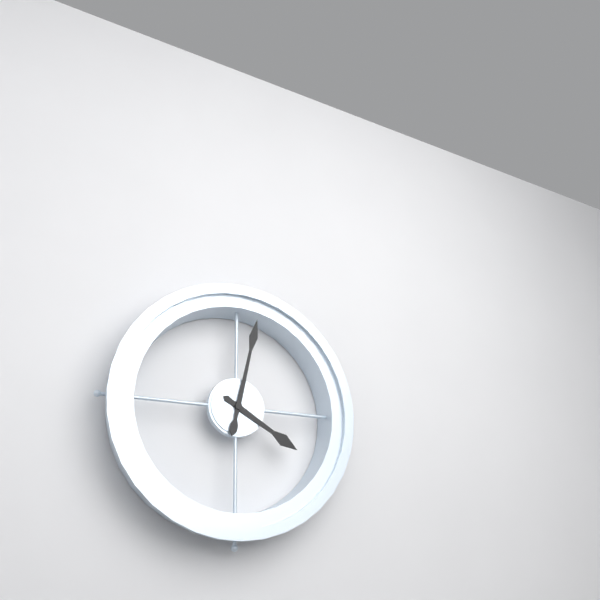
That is 4:02
